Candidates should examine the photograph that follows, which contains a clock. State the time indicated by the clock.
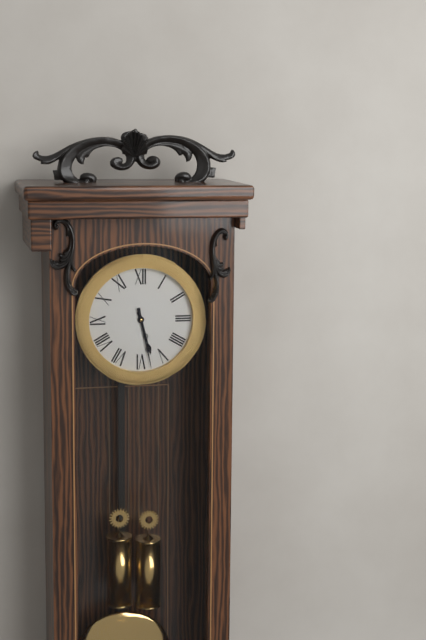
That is 5:28
